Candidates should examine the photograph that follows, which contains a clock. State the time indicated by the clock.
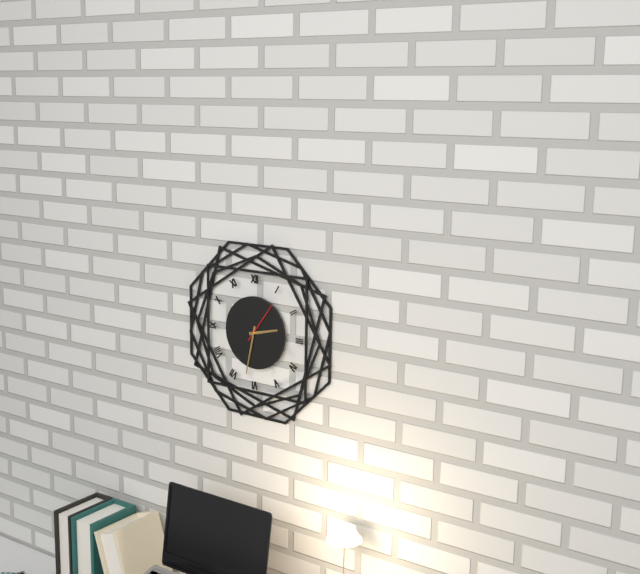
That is 2:32
